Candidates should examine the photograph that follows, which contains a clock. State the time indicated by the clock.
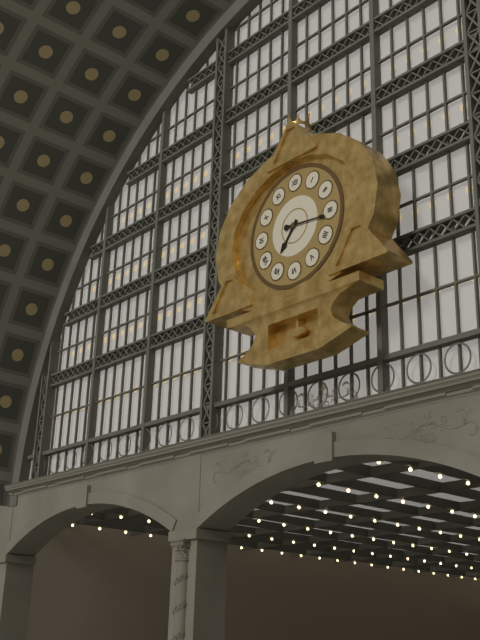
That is 7:16
